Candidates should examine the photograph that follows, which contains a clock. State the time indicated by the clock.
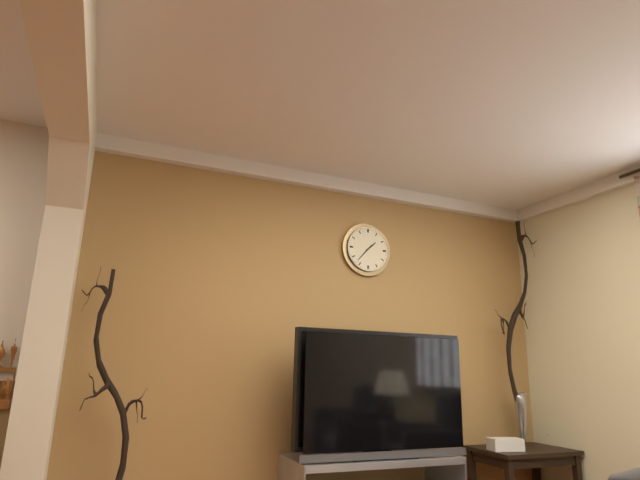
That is 1:37
